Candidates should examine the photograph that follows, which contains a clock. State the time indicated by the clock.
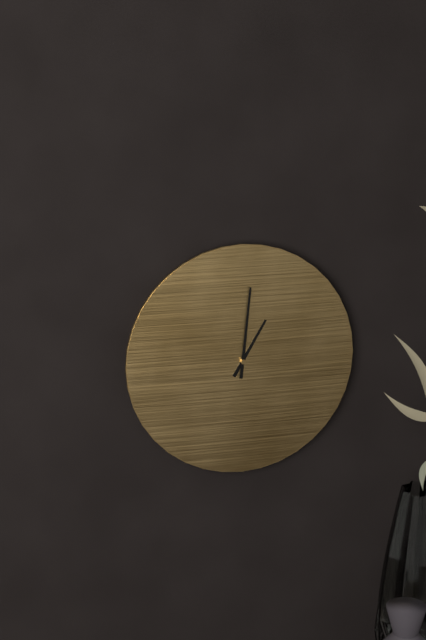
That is 1:01
